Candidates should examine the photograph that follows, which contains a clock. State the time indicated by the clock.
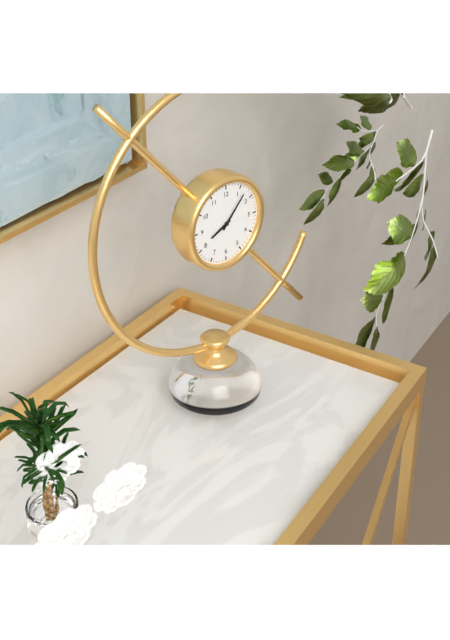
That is 8:07
